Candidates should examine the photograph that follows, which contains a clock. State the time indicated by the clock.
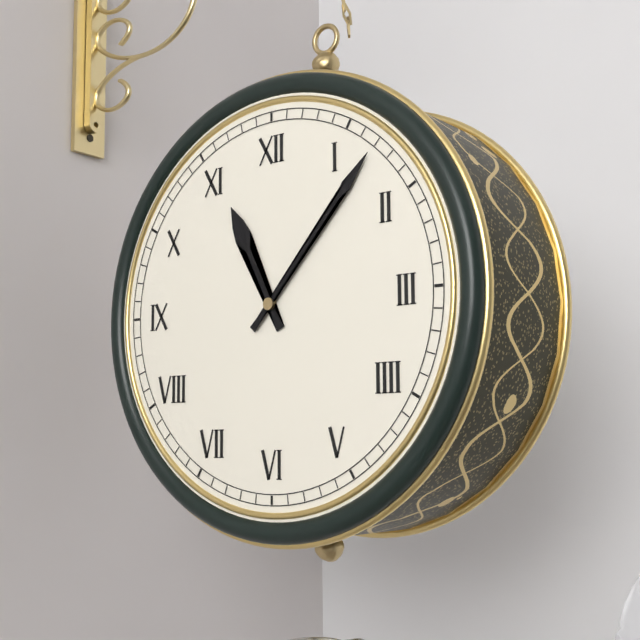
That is 11:07
